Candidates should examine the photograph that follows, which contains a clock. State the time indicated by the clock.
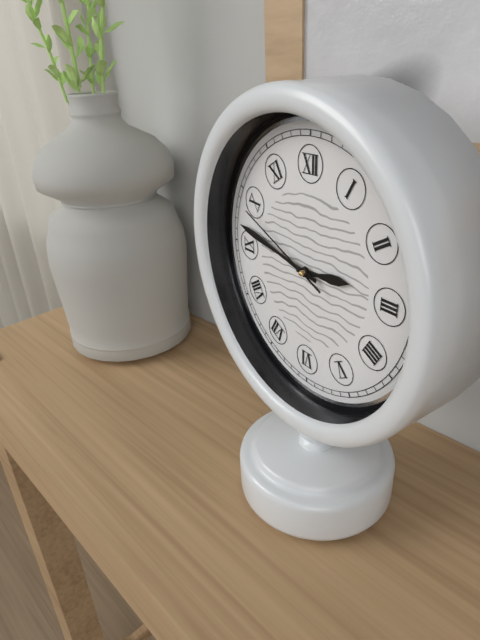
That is 2:47:49
